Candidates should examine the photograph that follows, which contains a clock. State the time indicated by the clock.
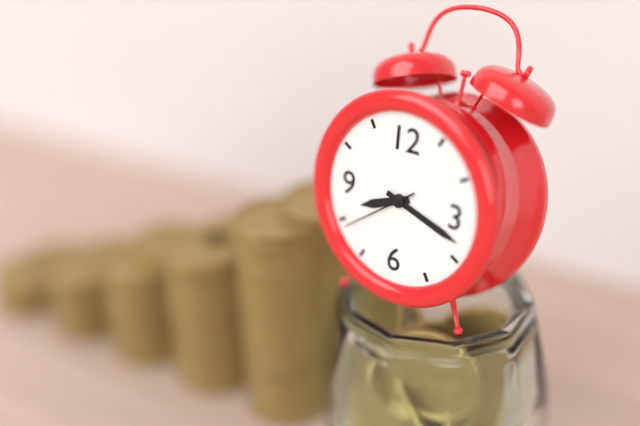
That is 8:18:39
